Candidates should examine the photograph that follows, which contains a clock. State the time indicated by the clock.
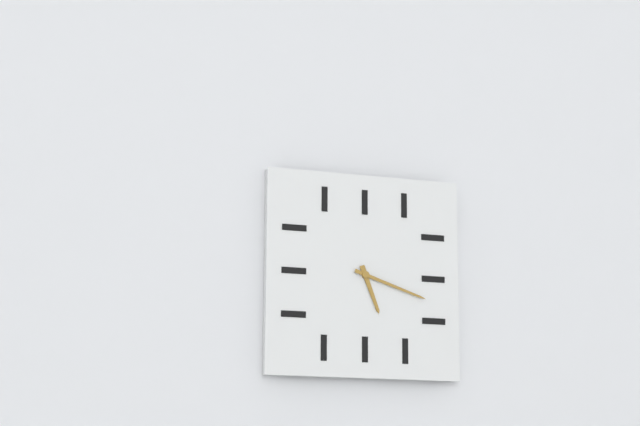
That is 5:18
